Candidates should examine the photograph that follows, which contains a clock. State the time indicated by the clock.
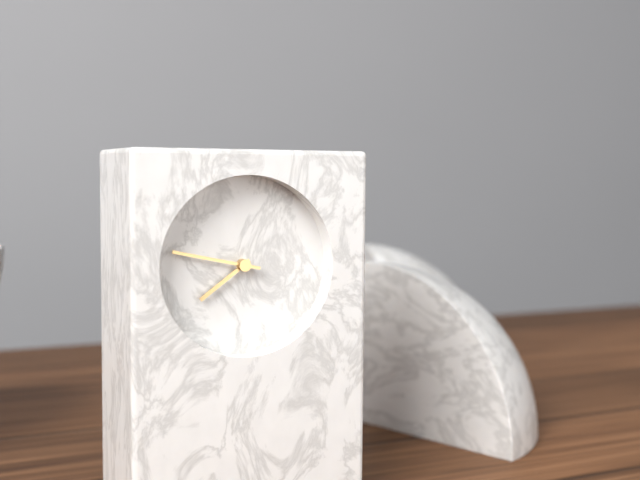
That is 7:47
